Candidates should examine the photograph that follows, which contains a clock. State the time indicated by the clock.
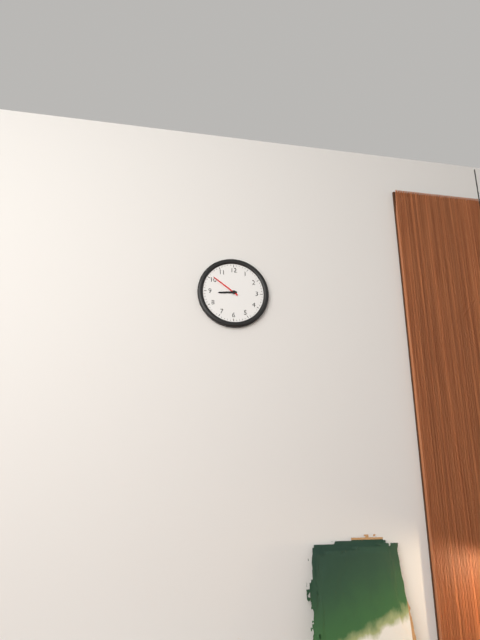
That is 8:51
